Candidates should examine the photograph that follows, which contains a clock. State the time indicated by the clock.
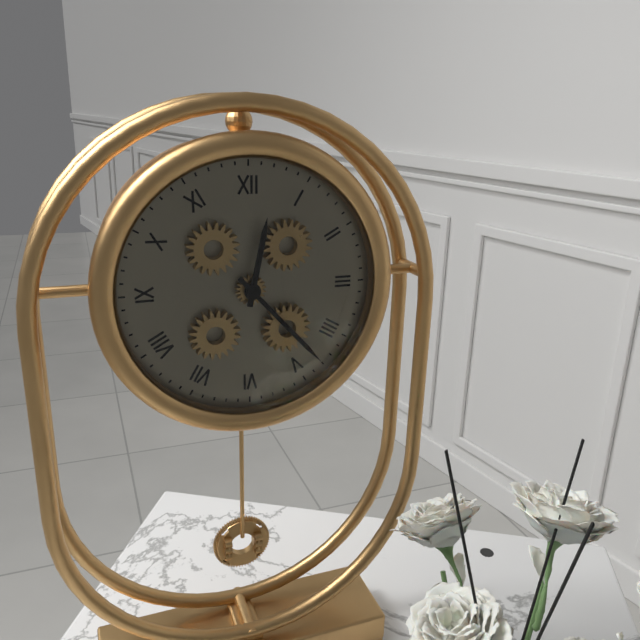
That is 12:23
